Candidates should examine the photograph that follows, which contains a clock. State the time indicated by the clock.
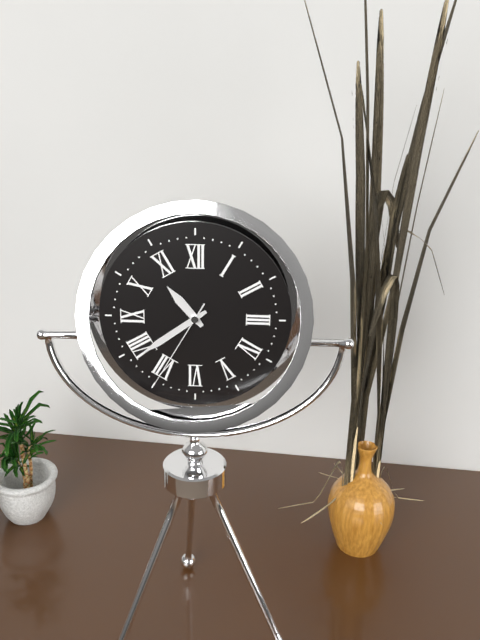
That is 10:39:35
